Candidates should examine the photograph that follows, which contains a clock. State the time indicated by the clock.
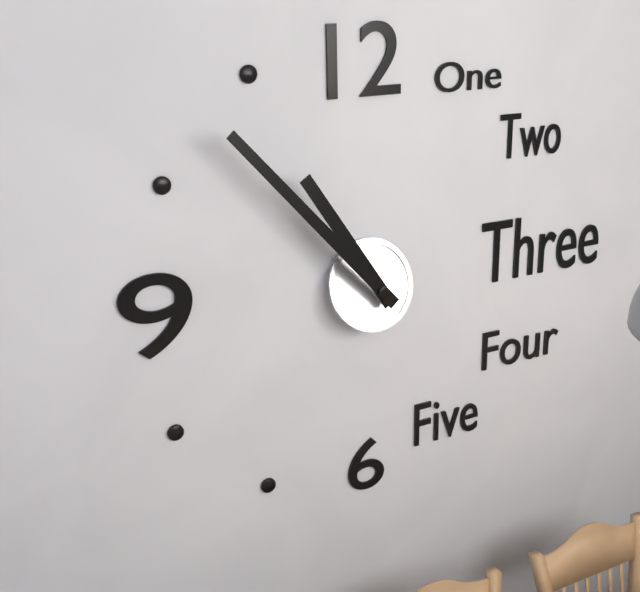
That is 10:53
